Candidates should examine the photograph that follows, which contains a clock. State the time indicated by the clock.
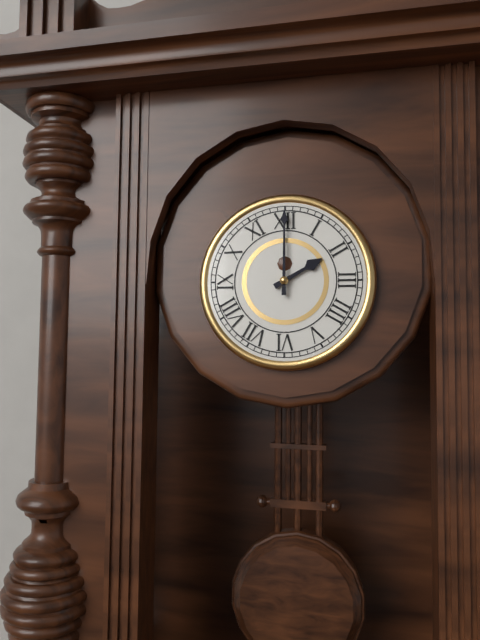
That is 2:00
